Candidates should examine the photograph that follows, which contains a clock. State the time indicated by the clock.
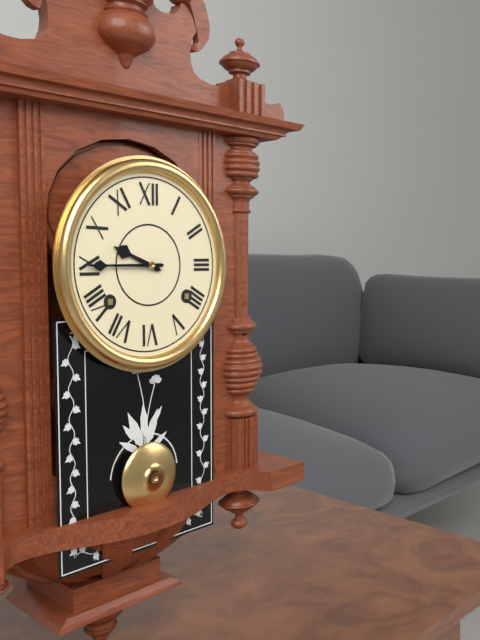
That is 9:45
